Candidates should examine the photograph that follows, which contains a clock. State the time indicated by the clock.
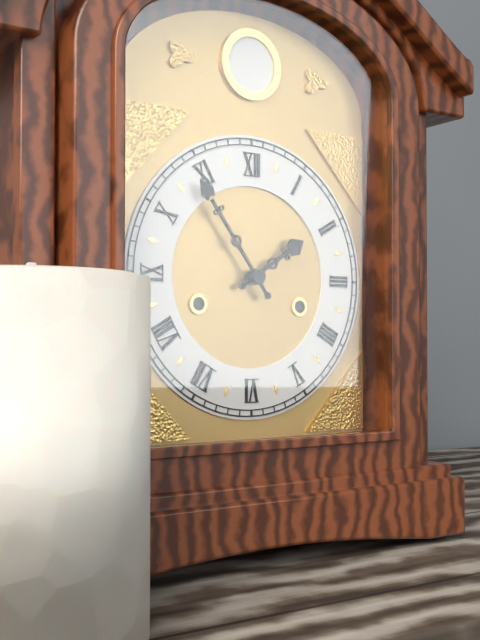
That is 1:54
